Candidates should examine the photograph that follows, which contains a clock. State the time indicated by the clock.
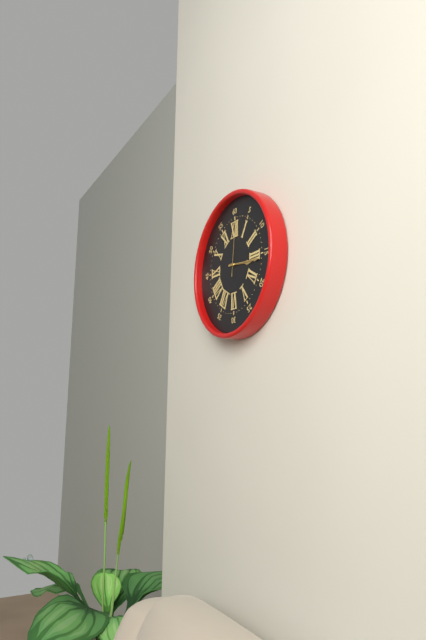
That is 3:16:01
